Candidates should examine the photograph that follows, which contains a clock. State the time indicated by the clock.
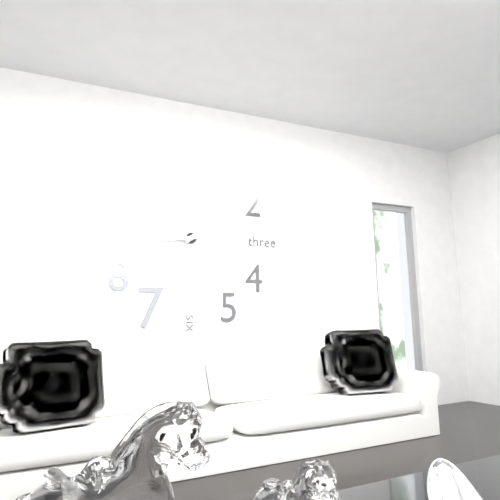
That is 1:44
